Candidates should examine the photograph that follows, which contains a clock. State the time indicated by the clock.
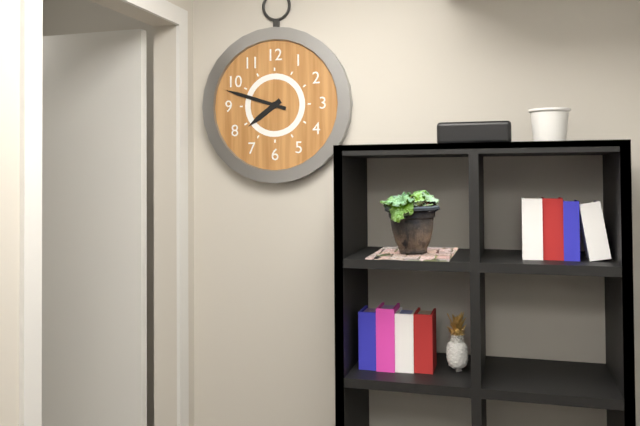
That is 7:48
